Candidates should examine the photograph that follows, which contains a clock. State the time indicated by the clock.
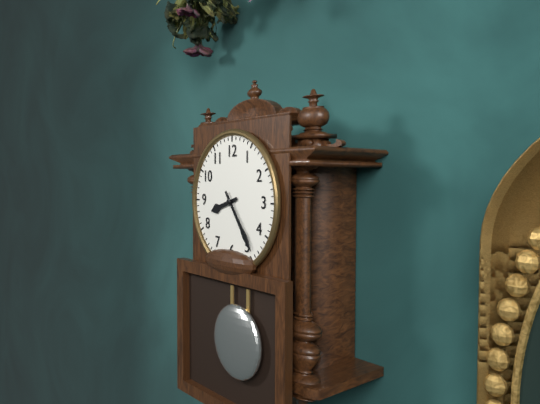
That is 8:24
